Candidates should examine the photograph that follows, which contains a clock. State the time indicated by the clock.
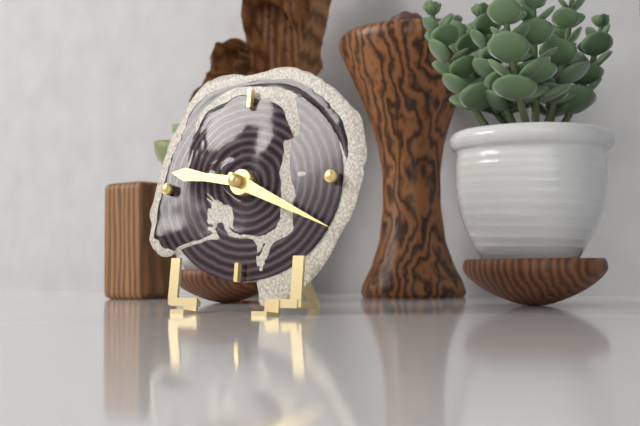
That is 9:19
